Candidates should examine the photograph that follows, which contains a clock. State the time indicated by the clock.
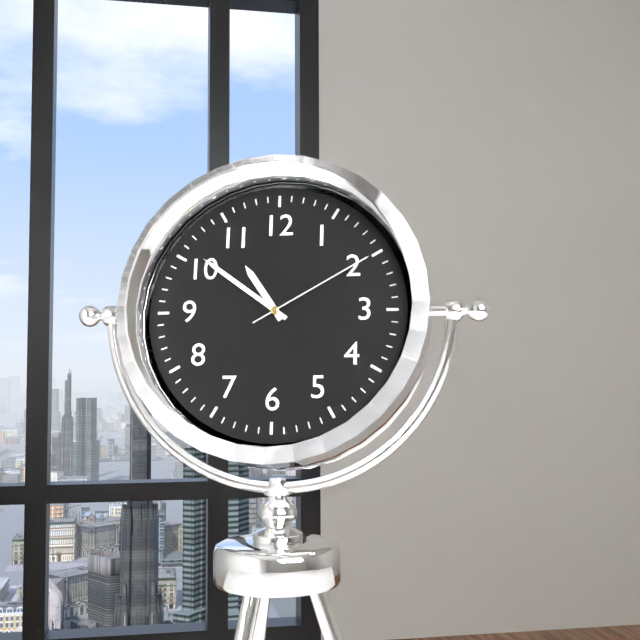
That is 10:51:10
